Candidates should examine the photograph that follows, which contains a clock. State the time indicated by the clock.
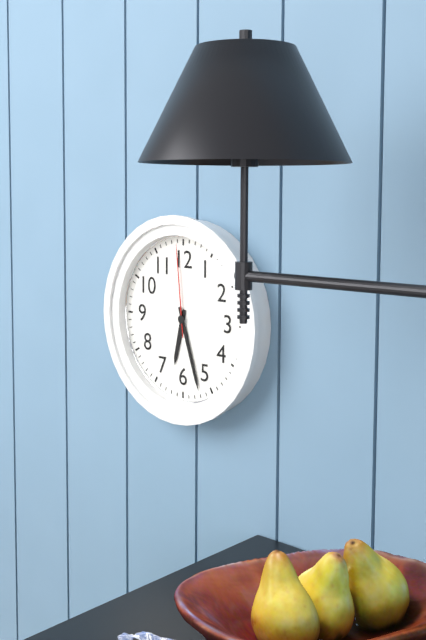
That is 6:27:59
